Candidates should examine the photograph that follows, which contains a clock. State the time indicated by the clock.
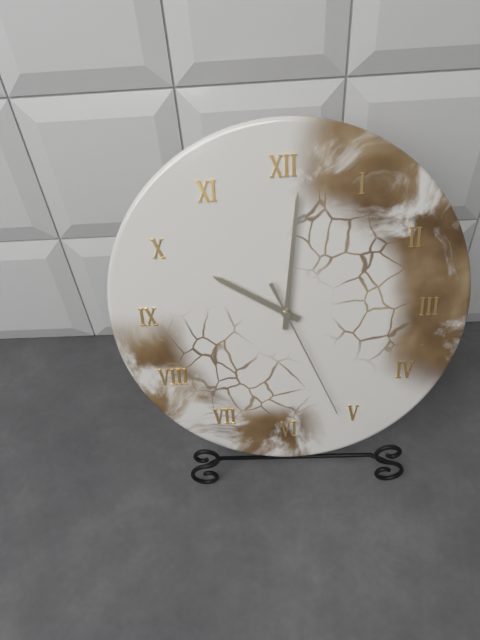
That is 10:01:26
